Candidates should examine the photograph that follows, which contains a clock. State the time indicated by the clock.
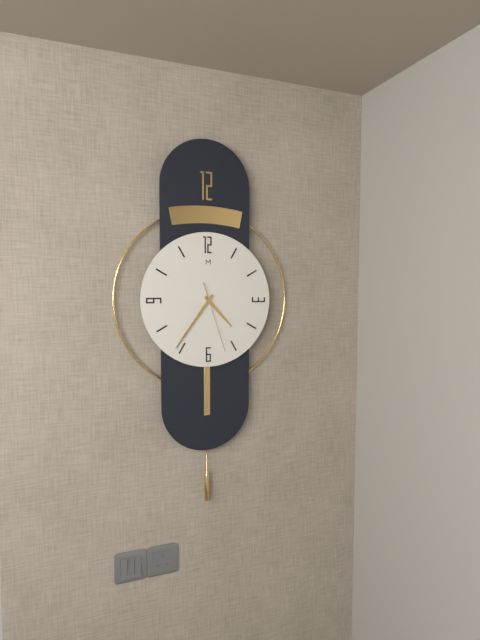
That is 4:36:27
